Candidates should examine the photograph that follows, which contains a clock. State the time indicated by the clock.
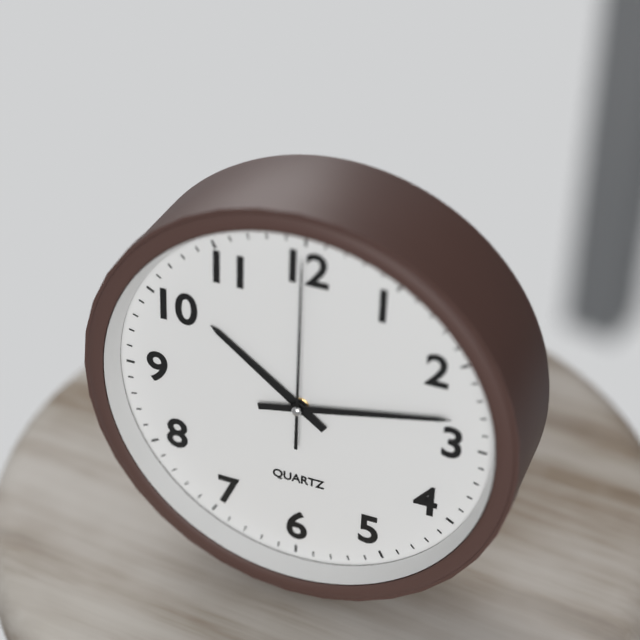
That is 10:13:00
